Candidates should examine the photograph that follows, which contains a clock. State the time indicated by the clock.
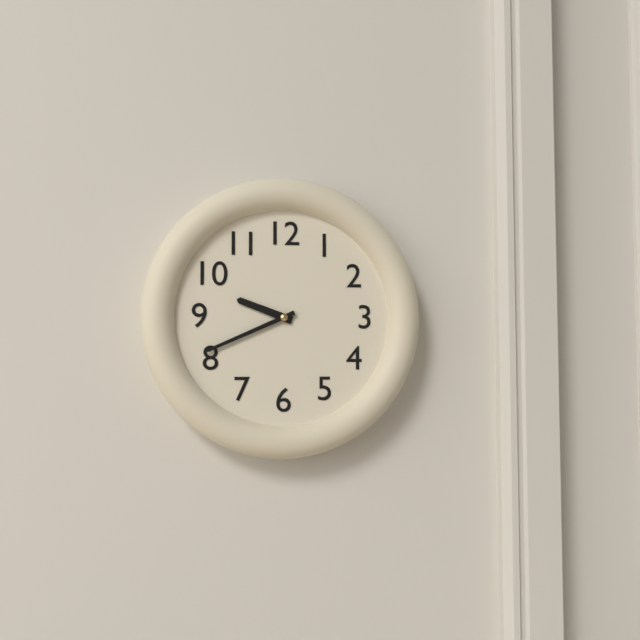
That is 9:41
